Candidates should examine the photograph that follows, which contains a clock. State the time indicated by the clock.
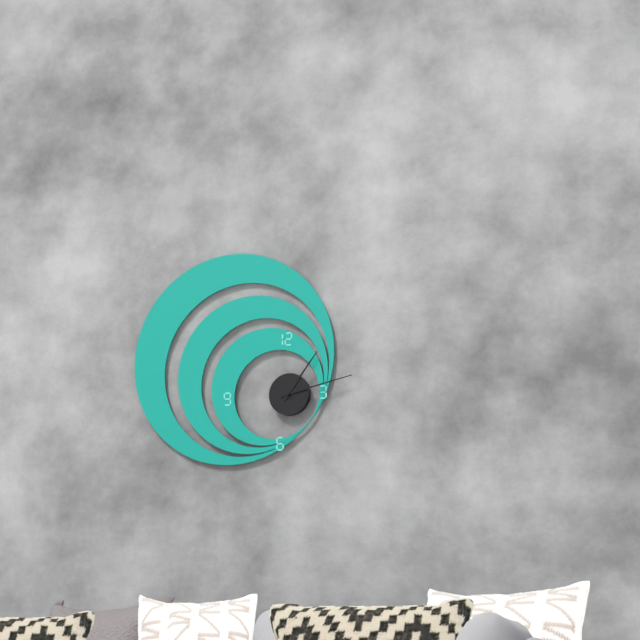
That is 1:13
